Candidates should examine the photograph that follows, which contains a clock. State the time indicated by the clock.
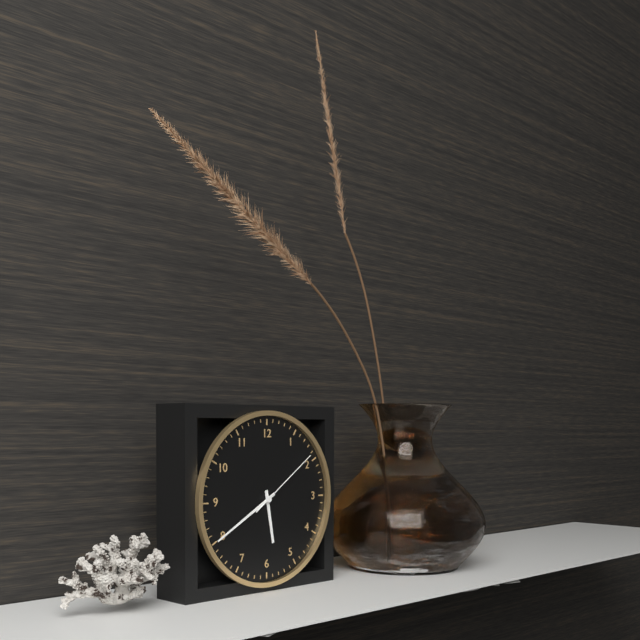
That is 5:40:09
